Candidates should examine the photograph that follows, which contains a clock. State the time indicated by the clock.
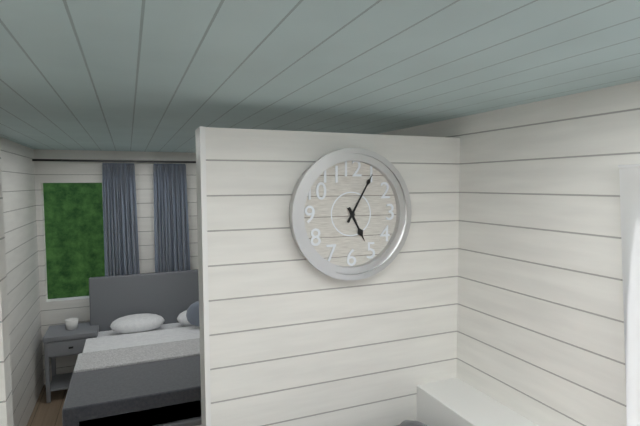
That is 5:05
